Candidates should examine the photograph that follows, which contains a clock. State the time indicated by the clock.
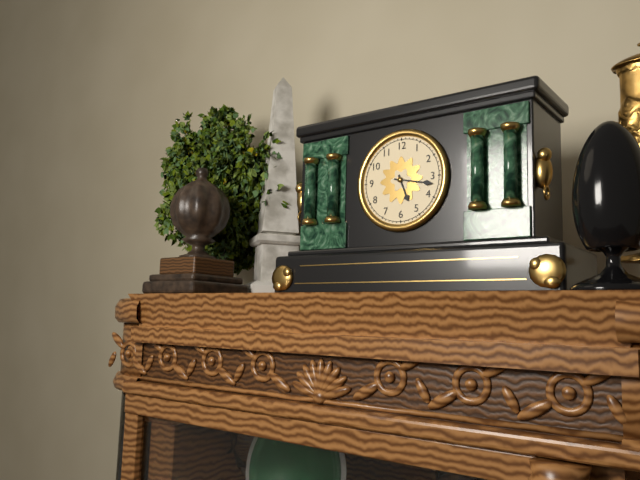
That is 5:17
